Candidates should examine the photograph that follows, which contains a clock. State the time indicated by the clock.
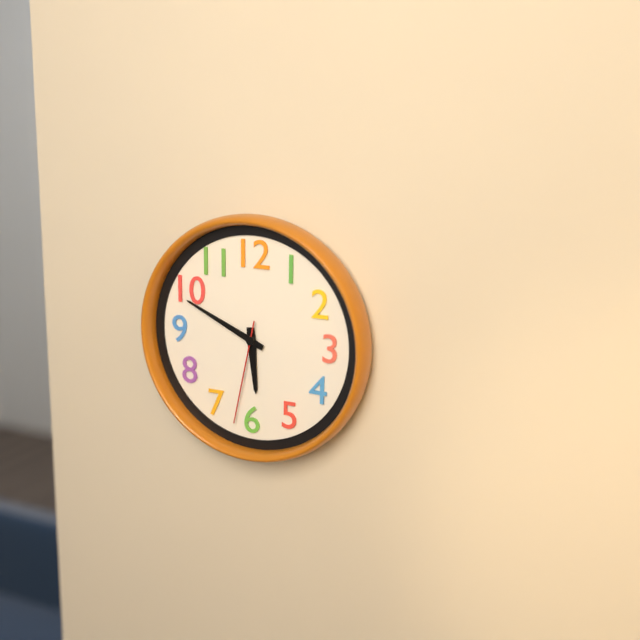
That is 5:49:32
